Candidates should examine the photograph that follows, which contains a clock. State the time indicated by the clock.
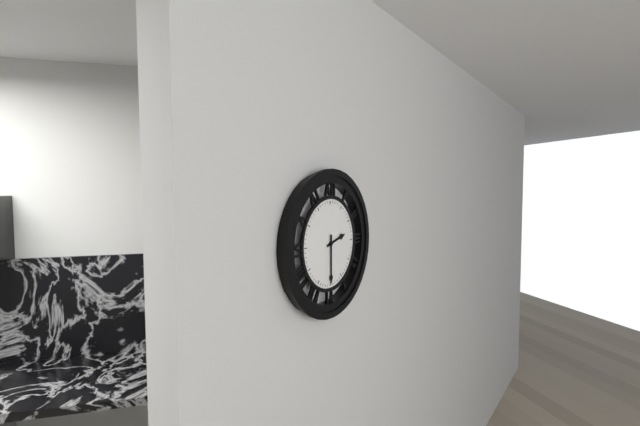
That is 2:30
